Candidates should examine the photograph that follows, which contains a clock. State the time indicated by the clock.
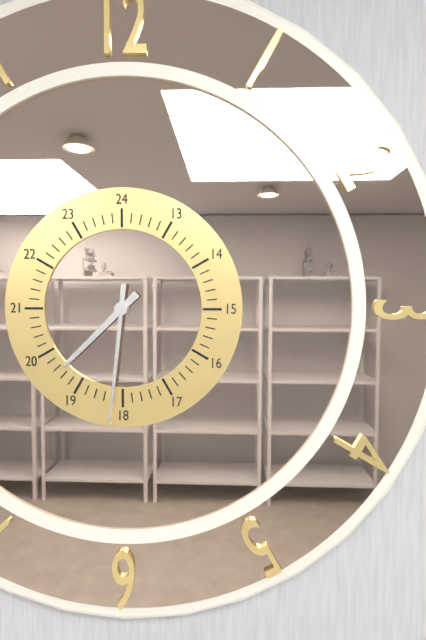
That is 7:31
